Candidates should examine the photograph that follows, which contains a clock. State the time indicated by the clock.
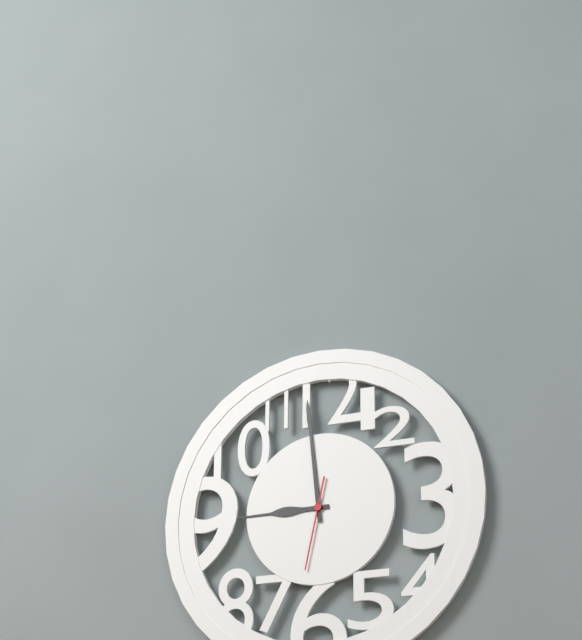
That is 8:59:32
